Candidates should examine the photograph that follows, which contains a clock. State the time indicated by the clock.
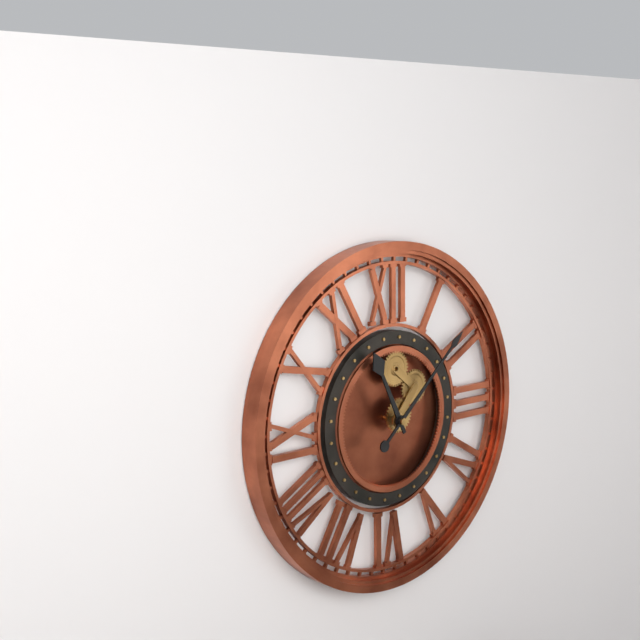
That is 11:08
